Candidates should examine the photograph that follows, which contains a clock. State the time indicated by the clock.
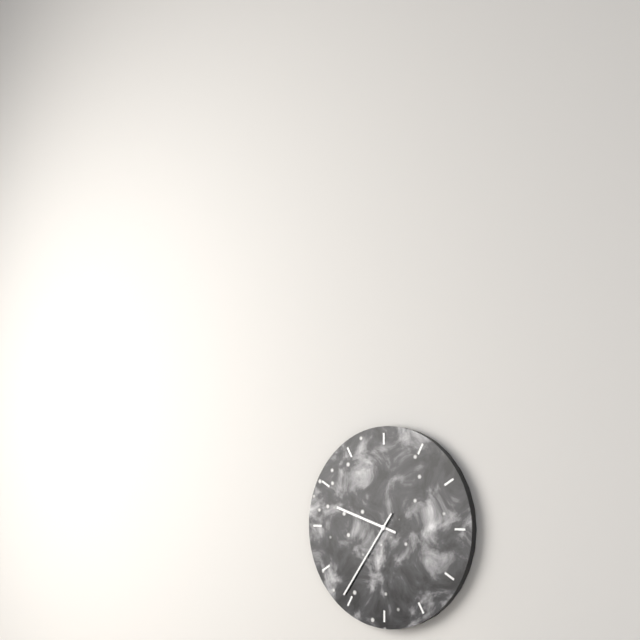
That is 9:36
